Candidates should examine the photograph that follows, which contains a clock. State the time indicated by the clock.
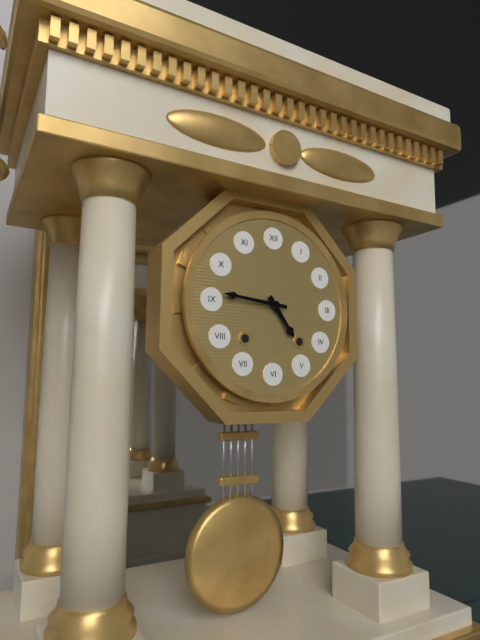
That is 4:46
